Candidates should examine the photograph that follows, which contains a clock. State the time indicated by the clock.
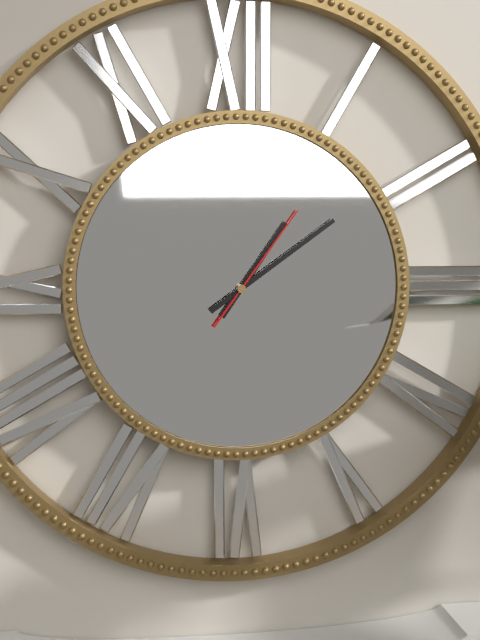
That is 1:09:06
